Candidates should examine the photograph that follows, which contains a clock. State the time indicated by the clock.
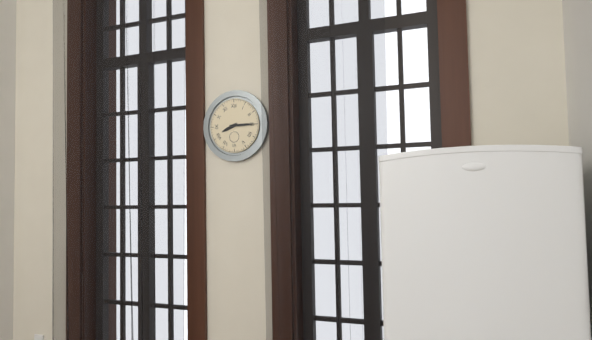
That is 8:15
